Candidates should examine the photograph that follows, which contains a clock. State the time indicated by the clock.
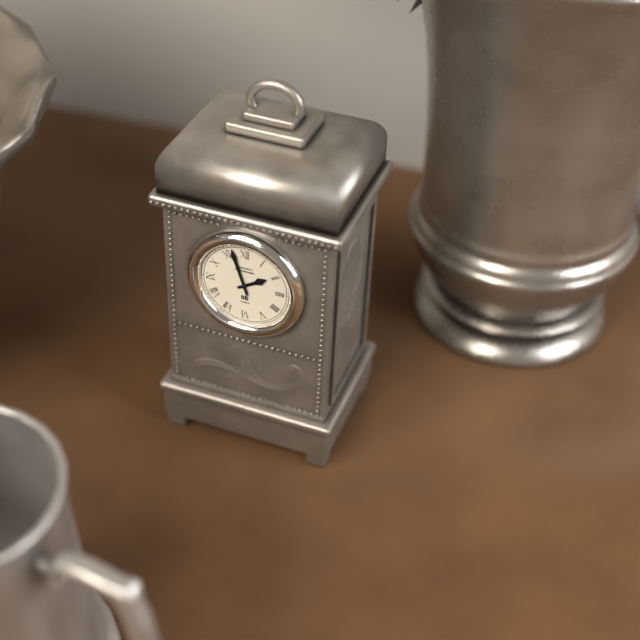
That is 1:57
